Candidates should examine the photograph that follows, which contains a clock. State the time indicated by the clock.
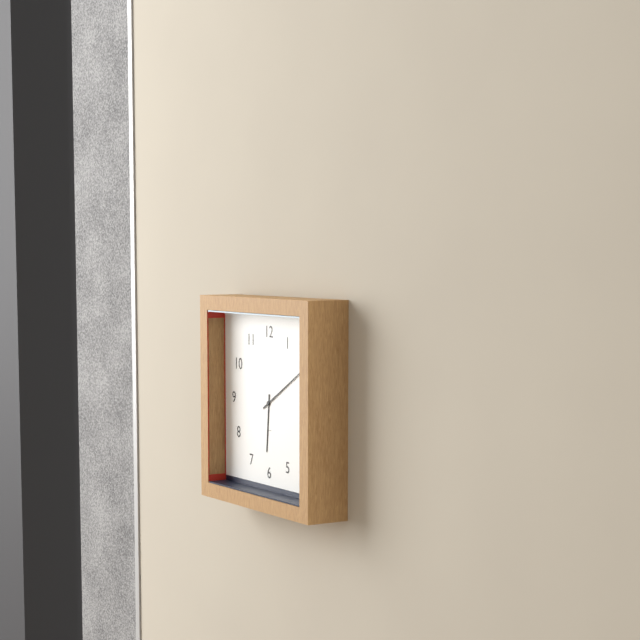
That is 6:10
